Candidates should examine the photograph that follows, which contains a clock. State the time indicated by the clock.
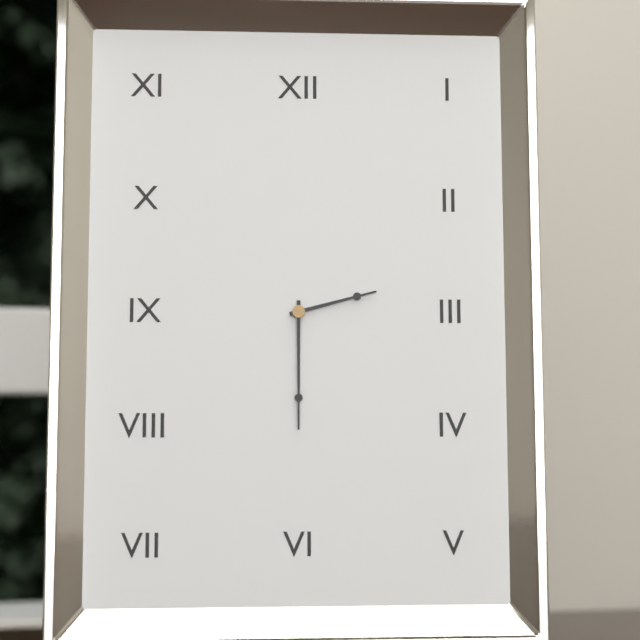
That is 2:30
